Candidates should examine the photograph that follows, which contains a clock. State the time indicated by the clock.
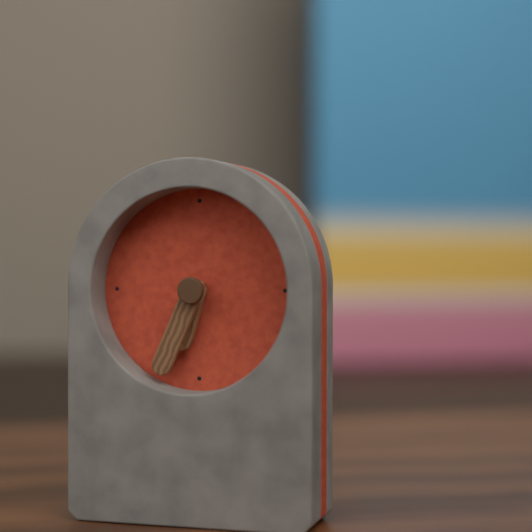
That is 6:34
